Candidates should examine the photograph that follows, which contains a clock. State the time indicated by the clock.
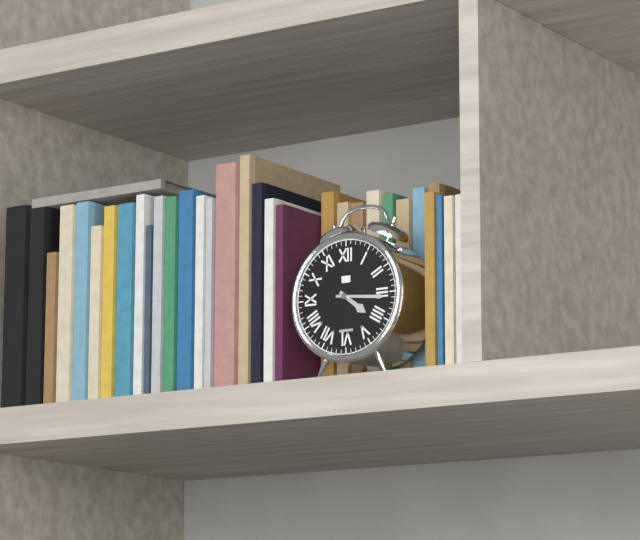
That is 4:16
